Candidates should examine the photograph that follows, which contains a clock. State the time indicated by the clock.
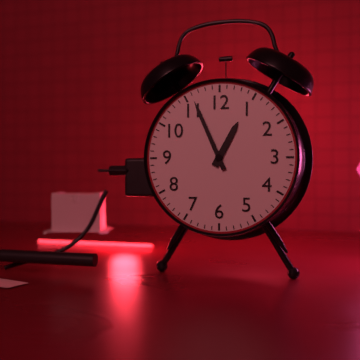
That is 12:56
